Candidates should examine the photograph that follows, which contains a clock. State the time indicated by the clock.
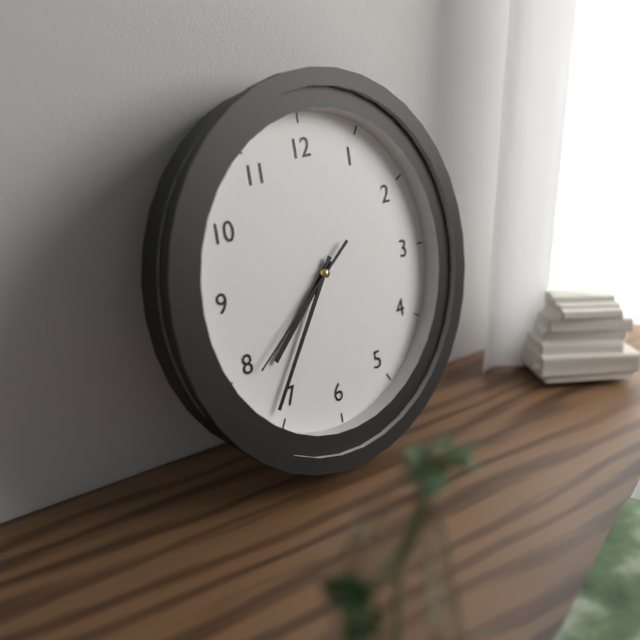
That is 7:36:39
